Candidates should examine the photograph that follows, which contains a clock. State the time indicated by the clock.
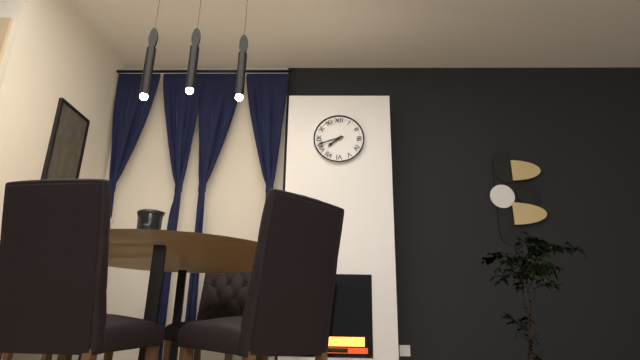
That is 7:42
